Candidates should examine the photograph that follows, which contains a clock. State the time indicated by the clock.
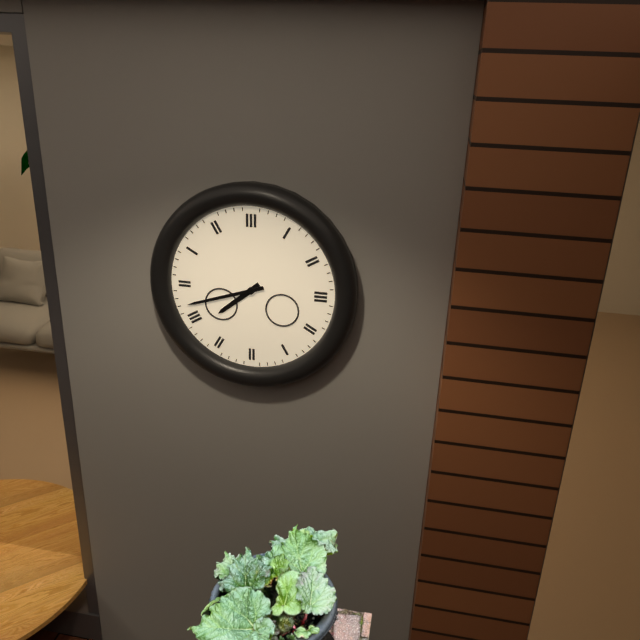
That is 7:42
